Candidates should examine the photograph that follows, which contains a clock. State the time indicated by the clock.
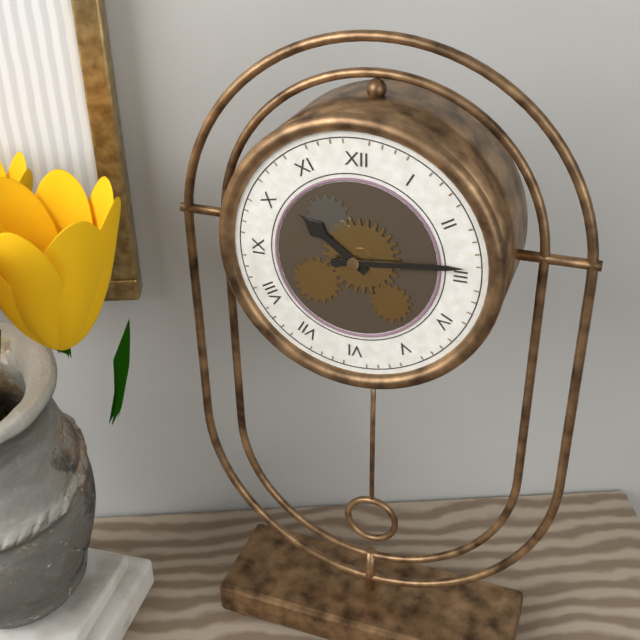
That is 10:14
